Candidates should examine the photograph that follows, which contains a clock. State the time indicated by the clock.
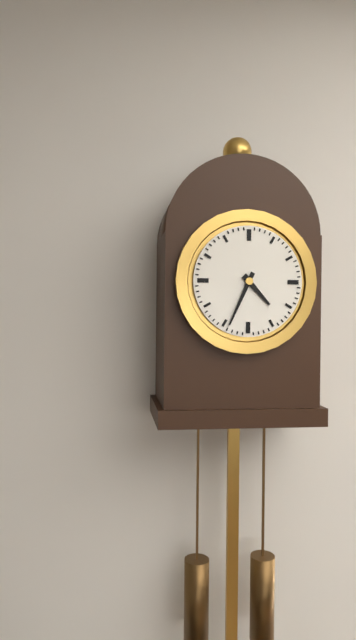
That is 4:34
